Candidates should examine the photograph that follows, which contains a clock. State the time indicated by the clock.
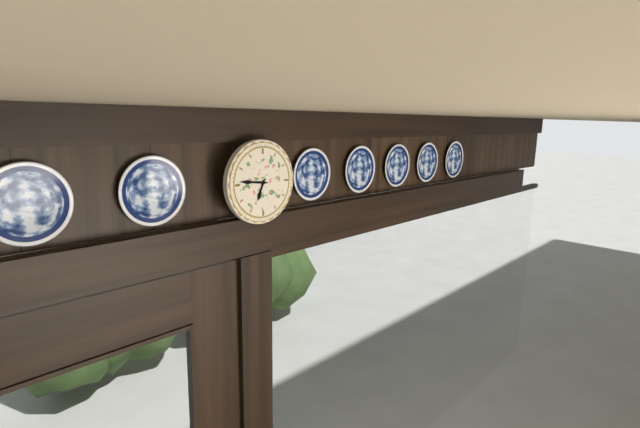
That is 6:46
